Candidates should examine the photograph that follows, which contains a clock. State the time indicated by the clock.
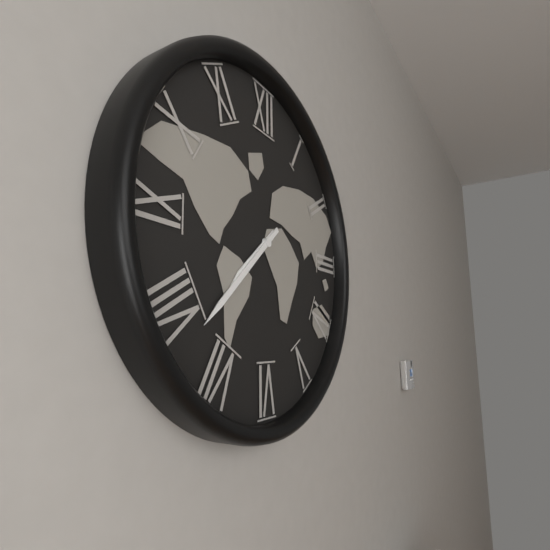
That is 7:38
